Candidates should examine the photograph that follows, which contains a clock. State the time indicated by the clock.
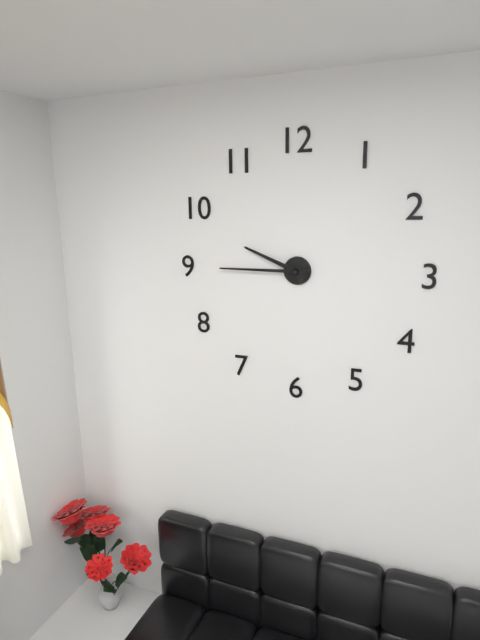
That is 9:45
